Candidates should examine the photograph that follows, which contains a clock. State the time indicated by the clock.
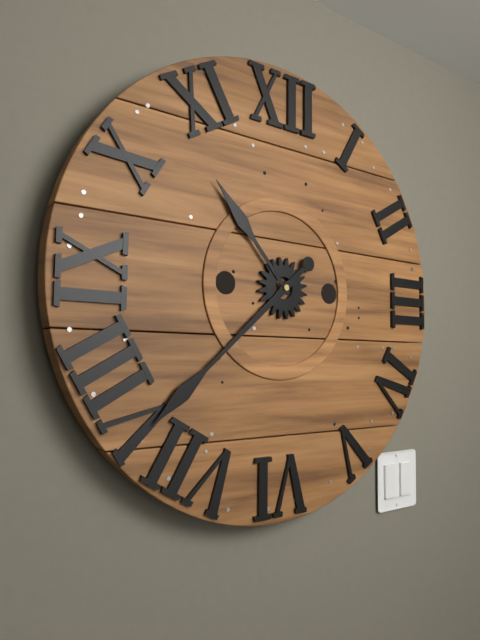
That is 10:38
